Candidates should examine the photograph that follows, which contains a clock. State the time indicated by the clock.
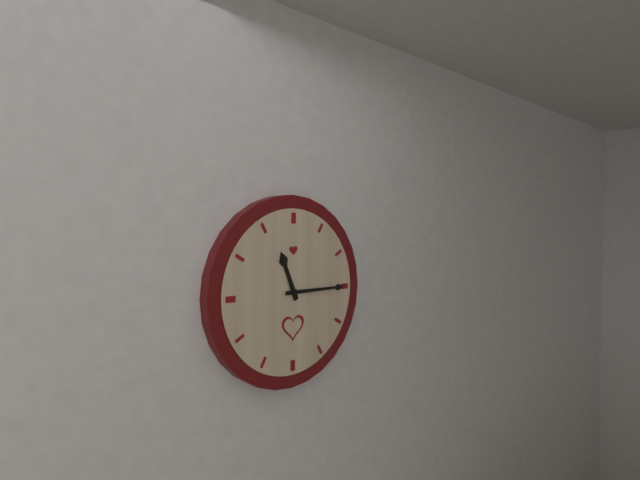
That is 11:15
